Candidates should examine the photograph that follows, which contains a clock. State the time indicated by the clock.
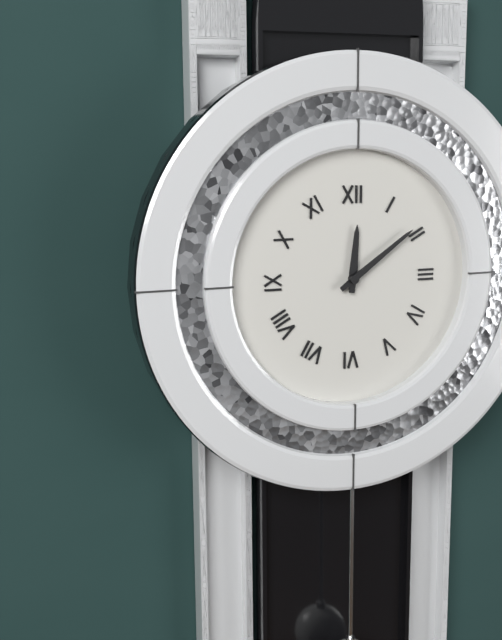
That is 12:09
